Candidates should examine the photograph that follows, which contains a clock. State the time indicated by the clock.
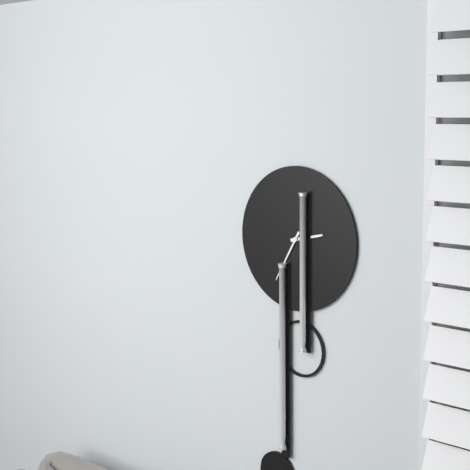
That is 2:35
